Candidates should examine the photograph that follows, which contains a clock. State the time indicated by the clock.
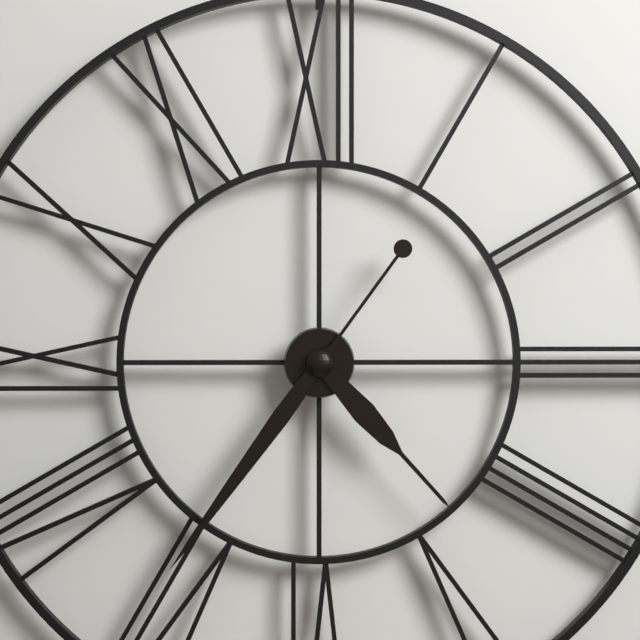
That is 4:36
